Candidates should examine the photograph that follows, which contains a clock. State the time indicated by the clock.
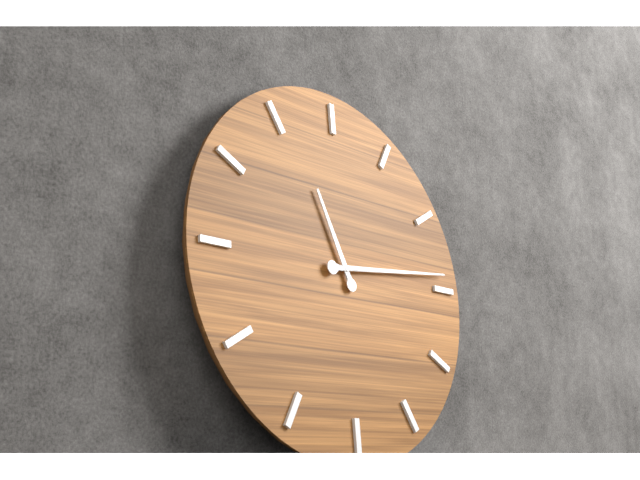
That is 11:14
